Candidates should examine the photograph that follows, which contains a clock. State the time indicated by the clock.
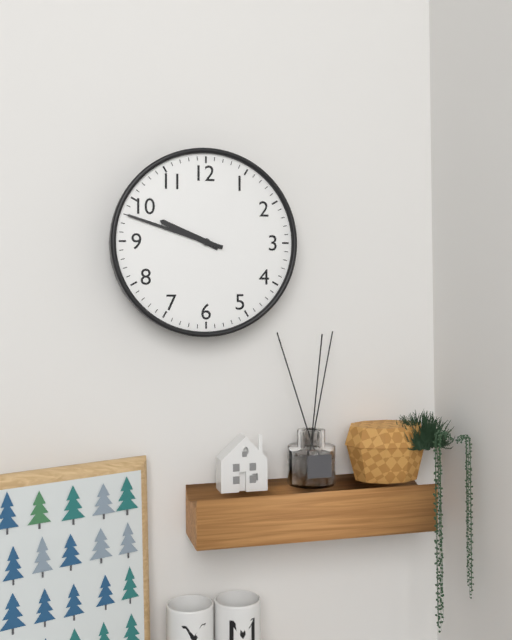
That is 9:48
